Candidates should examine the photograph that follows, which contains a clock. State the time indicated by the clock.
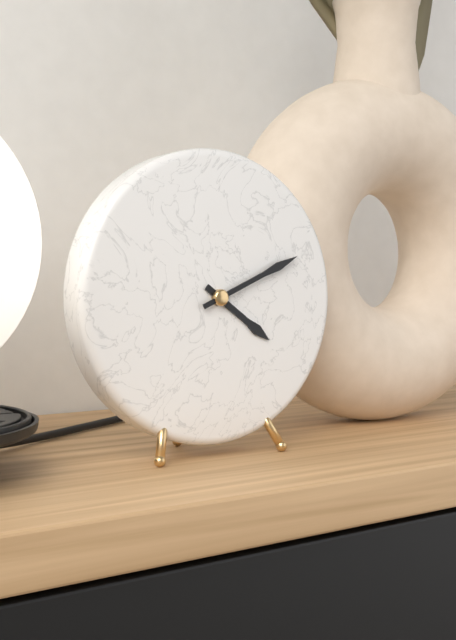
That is 4:11
